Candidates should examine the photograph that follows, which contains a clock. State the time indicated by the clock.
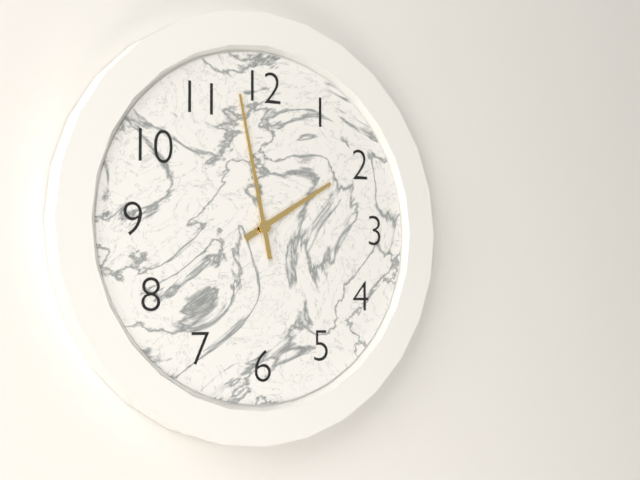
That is 1:58
